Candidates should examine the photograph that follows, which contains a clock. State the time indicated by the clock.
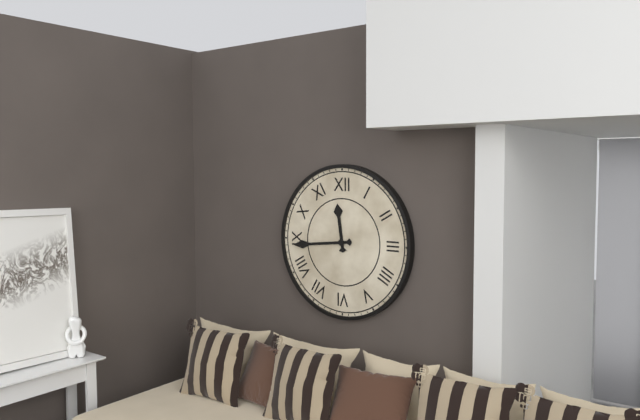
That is 11:44
